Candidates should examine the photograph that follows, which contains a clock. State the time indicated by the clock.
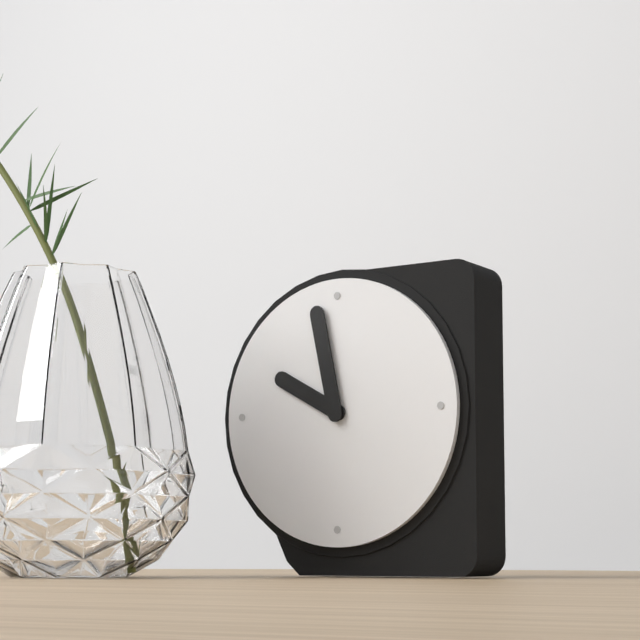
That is 9:58
